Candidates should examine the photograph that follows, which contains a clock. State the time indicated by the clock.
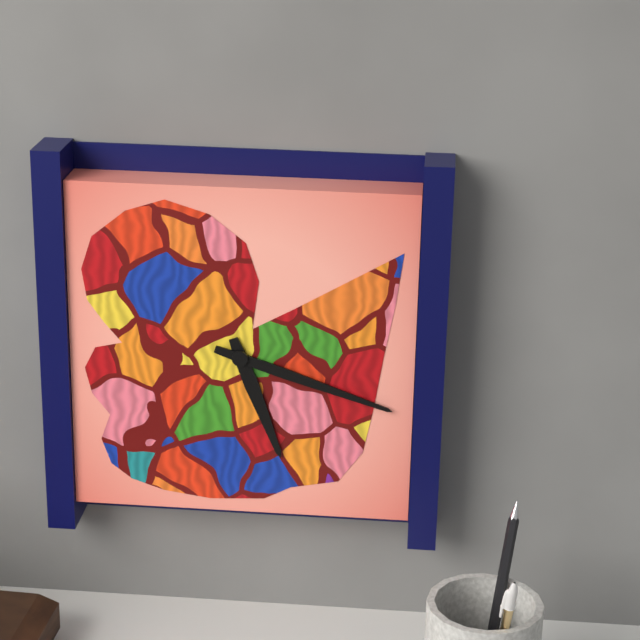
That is 5:18
